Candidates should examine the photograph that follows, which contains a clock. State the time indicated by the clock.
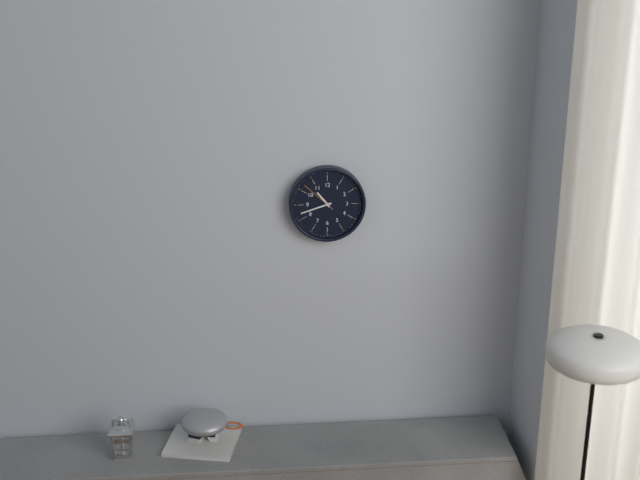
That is 10:42
